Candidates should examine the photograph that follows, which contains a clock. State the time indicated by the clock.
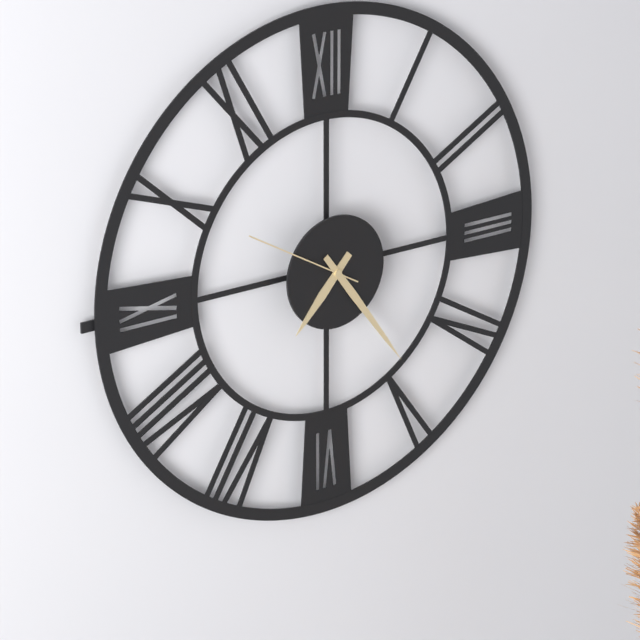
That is 7:24:50
